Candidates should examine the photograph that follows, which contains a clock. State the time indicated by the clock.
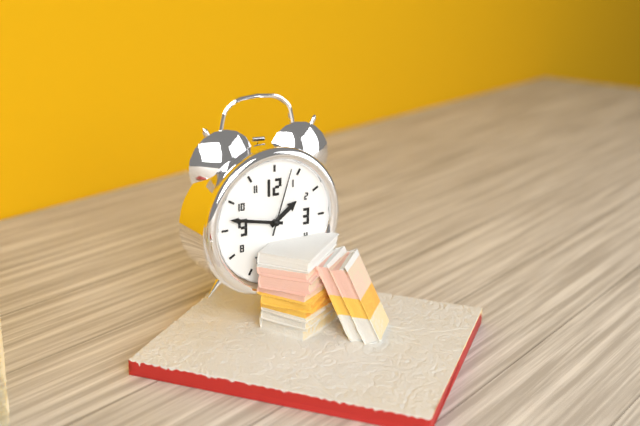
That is 1:47:03
